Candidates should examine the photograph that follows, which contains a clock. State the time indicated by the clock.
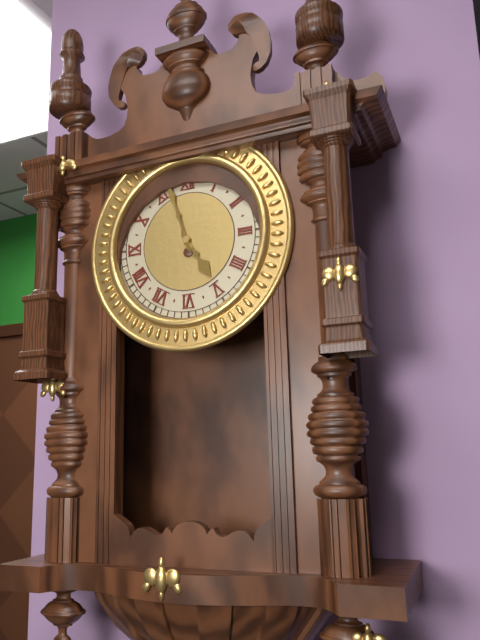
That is 4:57
